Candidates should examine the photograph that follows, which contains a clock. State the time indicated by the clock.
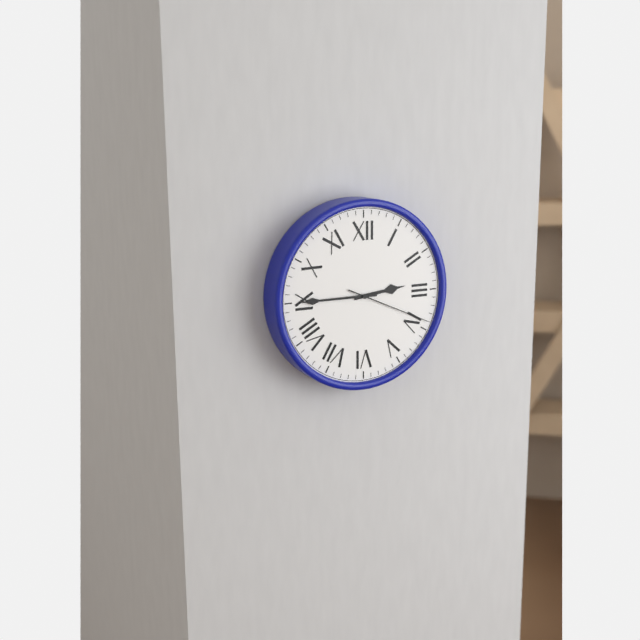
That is 2:45:19
